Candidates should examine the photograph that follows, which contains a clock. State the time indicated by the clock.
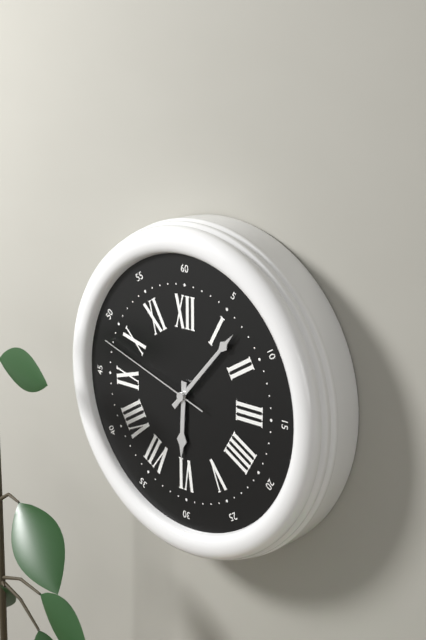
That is 6:07:48
